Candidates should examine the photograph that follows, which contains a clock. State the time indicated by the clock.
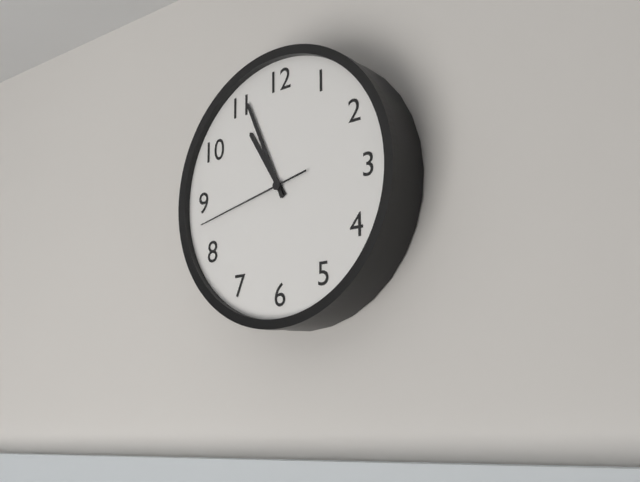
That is 10:56:43
